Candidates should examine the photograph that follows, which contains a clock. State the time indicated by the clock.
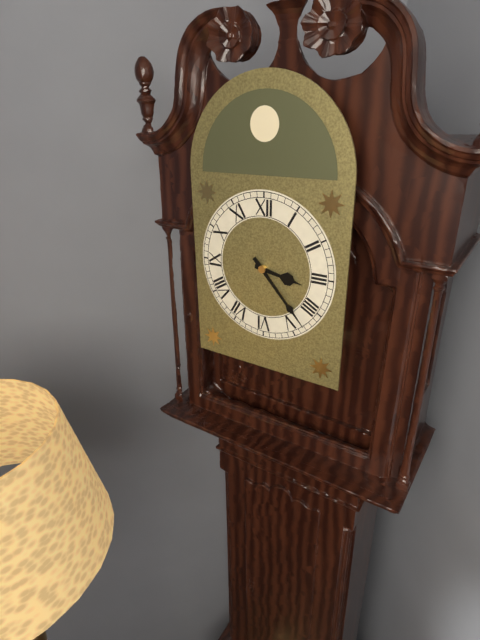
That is 3:23
